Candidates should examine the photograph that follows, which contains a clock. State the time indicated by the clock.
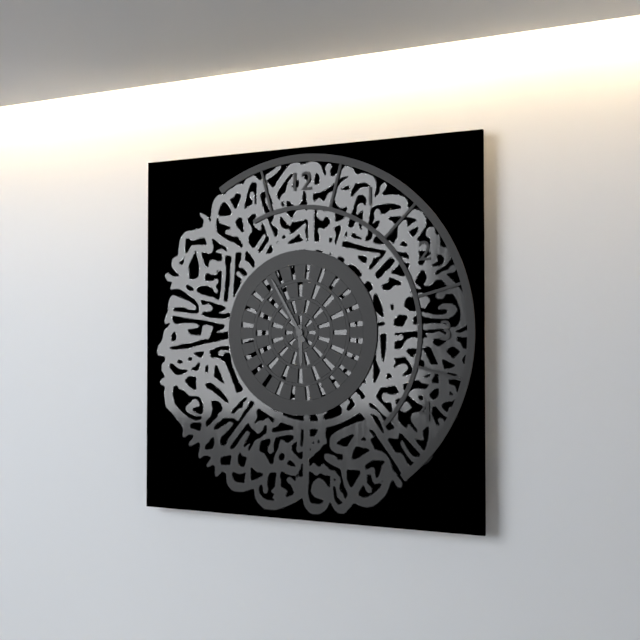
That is 5:55
